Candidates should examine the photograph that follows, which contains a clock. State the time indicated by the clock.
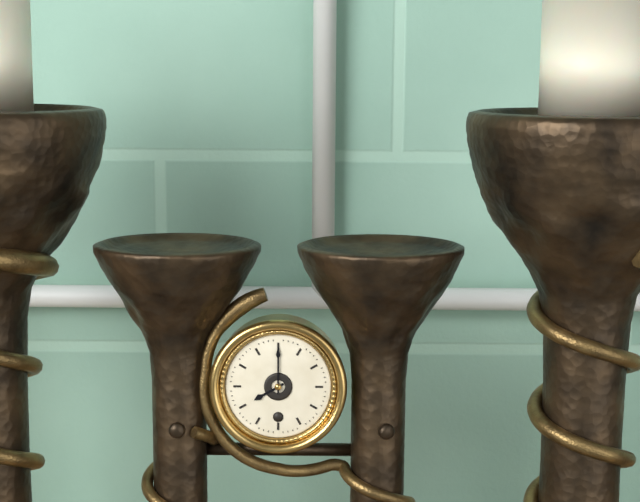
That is 8:00
